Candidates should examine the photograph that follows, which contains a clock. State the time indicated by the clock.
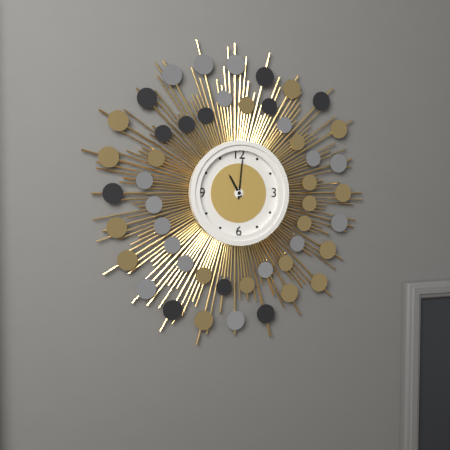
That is 11:01
